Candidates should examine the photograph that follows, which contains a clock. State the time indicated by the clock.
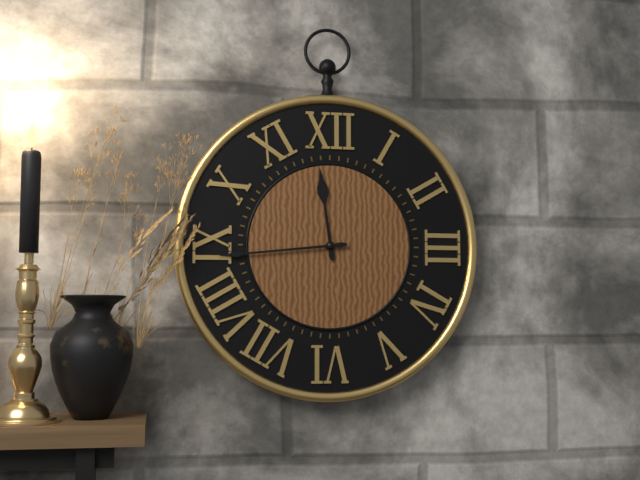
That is 11:44
